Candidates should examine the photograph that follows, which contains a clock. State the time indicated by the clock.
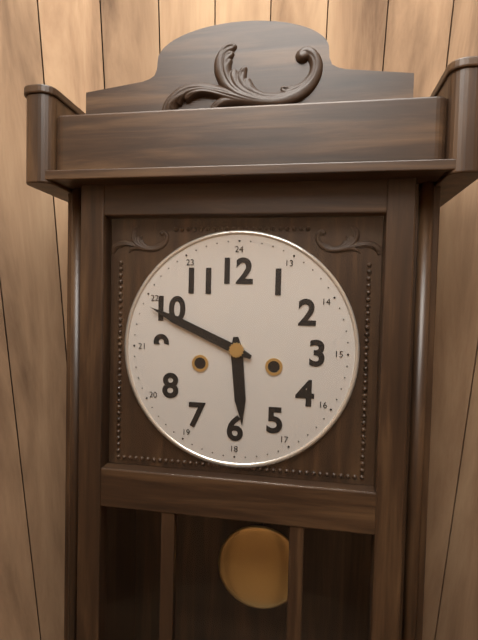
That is 5:49
